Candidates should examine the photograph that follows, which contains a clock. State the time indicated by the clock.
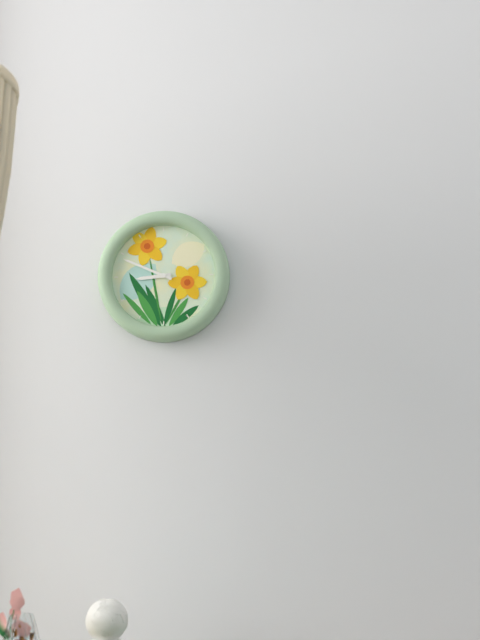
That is 8:49
